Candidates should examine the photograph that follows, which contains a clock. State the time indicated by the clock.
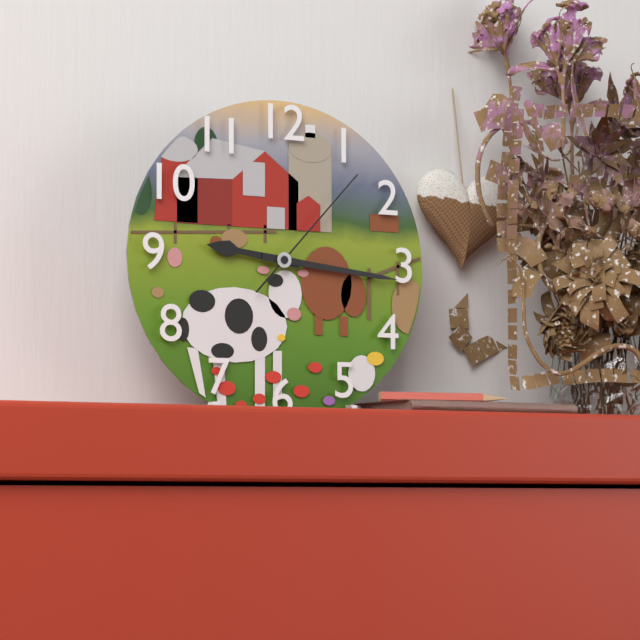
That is 9:16:07
